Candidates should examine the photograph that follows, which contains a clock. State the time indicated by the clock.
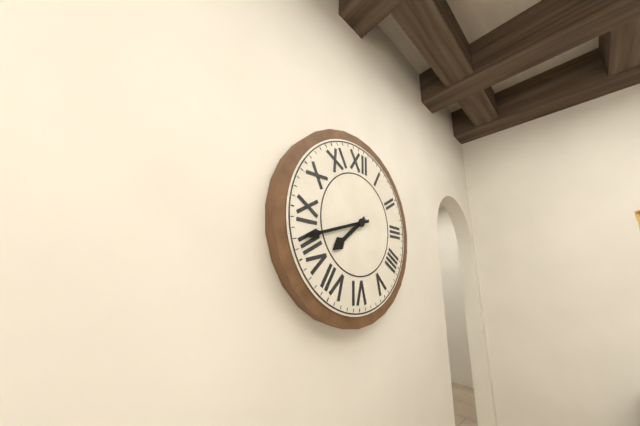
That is 7:42
